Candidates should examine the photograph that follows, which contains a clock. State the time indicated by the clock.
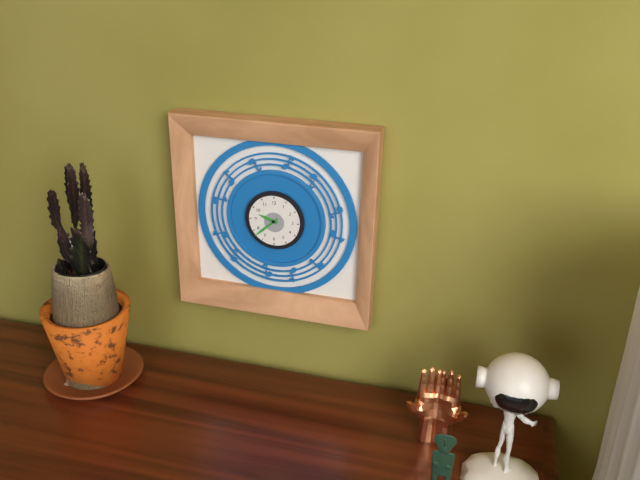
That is 9:38
